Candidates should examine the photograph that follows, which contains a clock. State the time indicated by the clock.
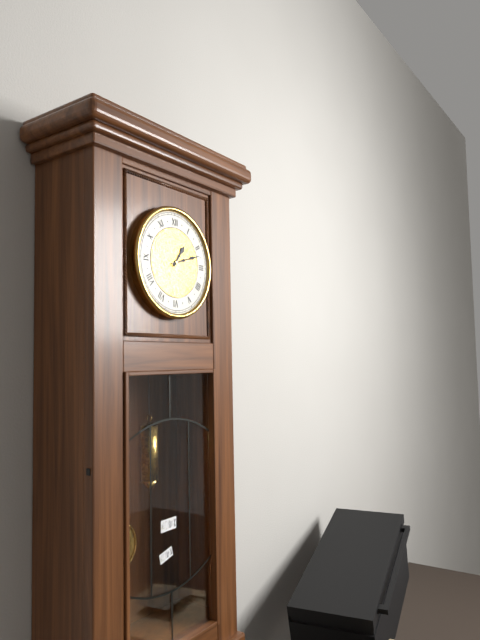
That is 1:12
